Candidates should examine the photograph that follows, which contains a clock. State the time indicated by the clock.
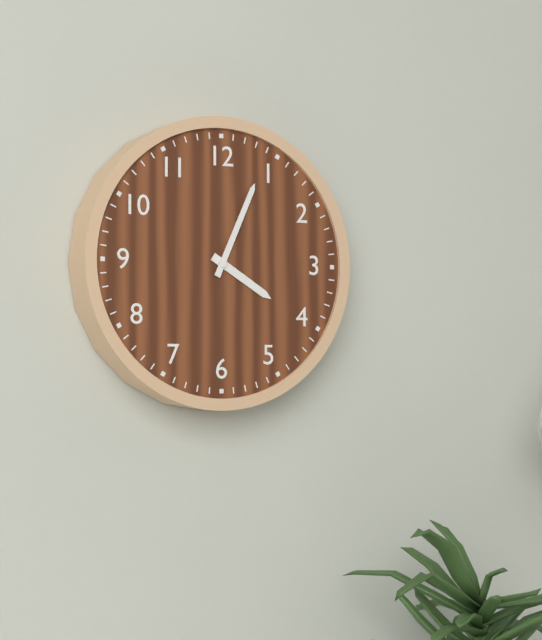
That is 4:04
